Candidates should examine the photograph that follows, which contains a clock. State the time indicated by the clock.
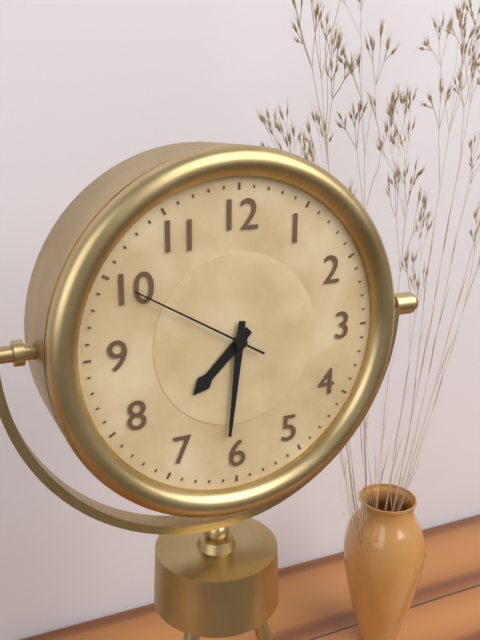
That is 7:31:50
